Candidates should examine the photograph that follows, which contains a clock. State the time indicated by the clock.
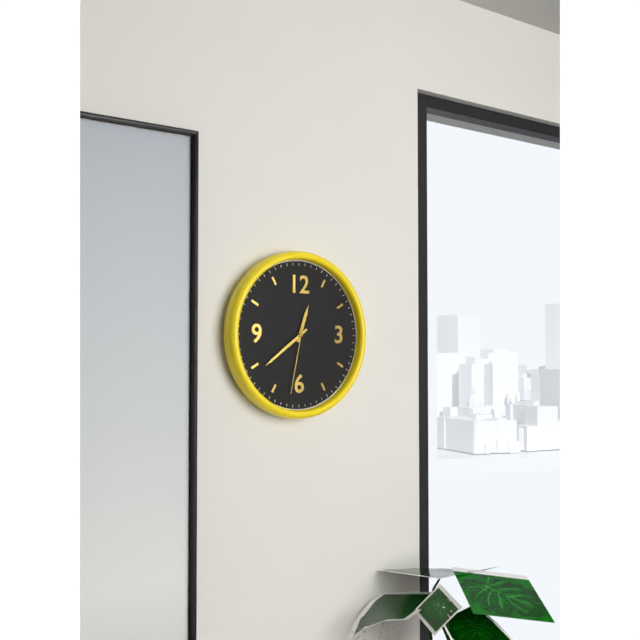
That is 12:39:32
